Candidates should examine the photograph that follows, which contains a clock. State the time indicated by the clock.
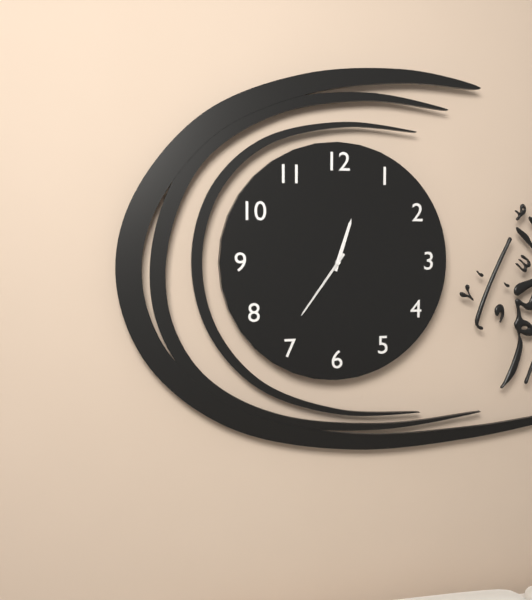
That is 12:36
